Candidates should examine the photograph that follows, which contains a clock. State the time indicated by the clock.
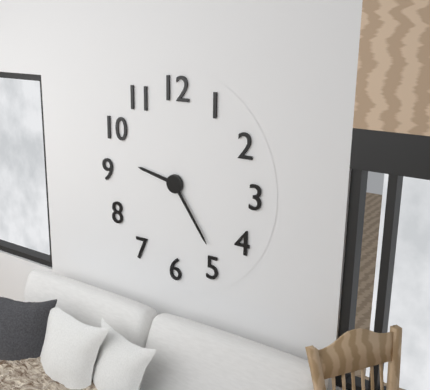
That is 9:24
